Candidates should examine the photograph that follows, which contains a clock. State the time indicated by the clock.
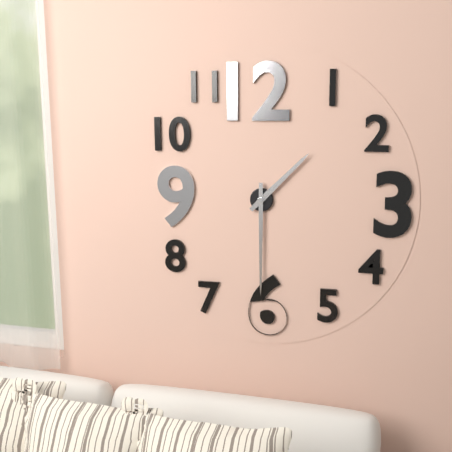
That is 1:30
